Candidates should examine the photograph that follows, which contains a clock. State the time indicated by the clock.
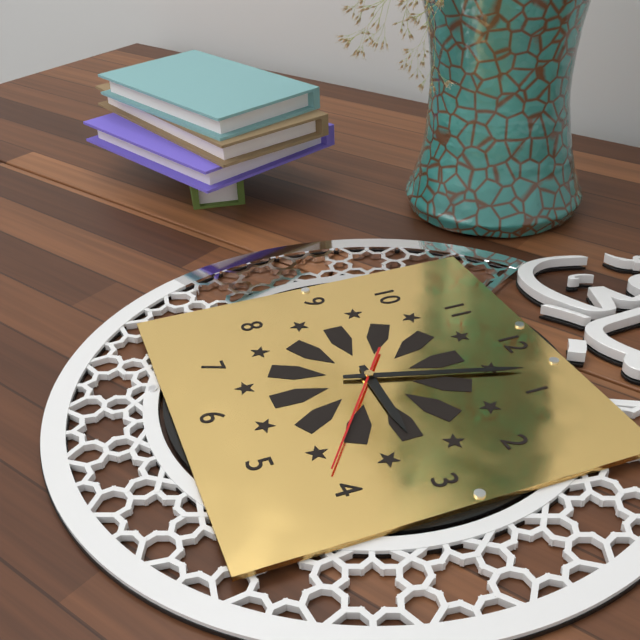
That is 3:03:21
